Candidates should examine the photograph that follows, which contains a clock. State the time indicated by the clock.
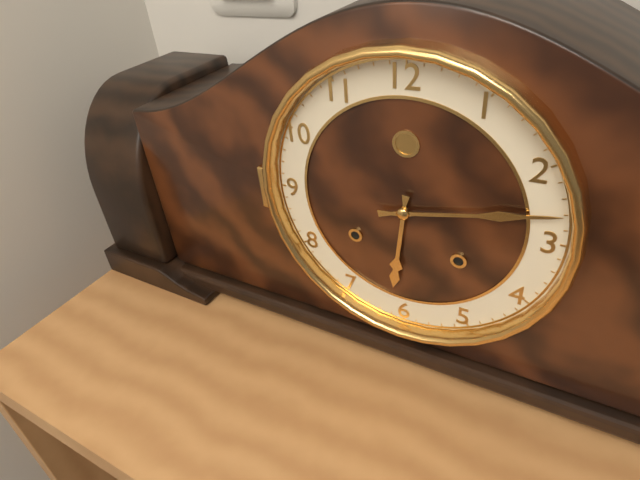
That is 6:13
